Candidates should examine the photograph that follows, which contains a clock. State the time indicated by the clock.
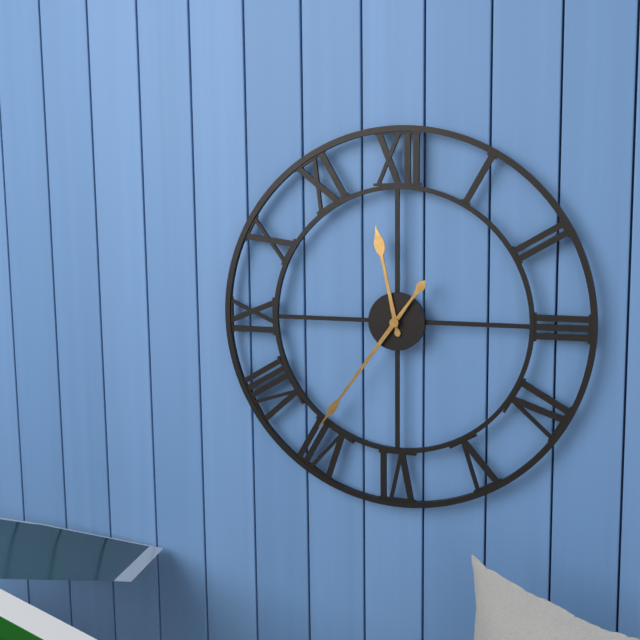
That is 11:36
